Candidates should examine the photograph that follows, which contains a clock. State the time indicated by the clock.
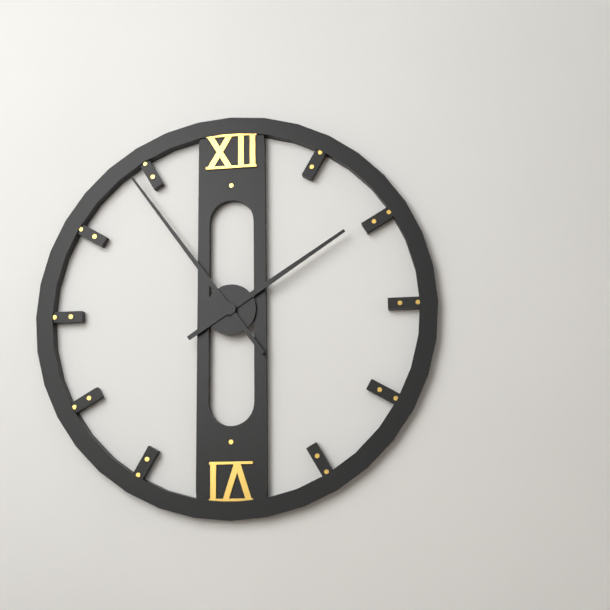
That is 1:54
